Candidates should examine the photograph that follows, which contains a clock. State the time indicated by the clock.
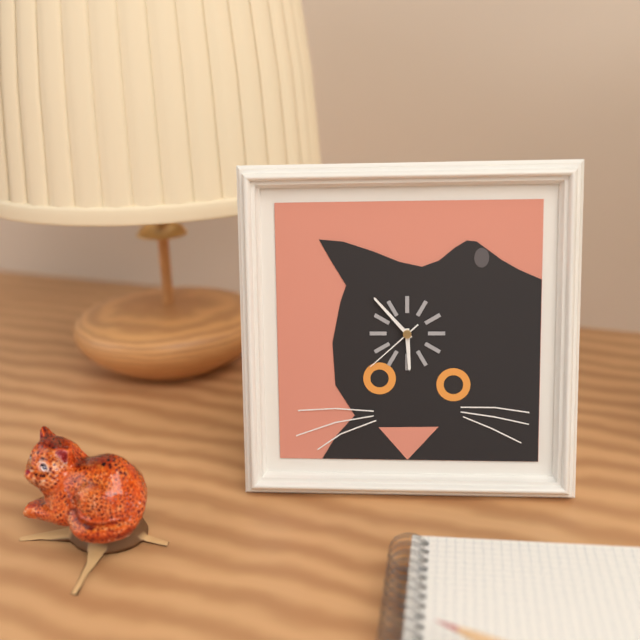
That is 5:53:38
